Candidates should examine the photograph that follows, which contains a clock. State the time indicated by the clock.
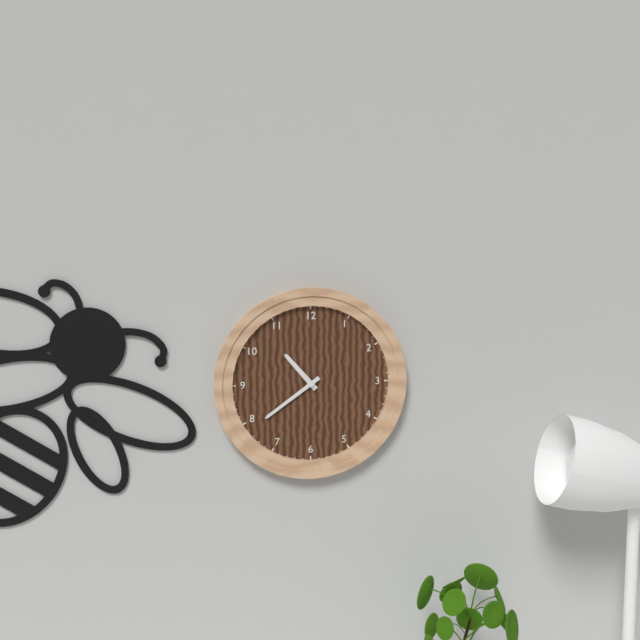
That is 10:39
